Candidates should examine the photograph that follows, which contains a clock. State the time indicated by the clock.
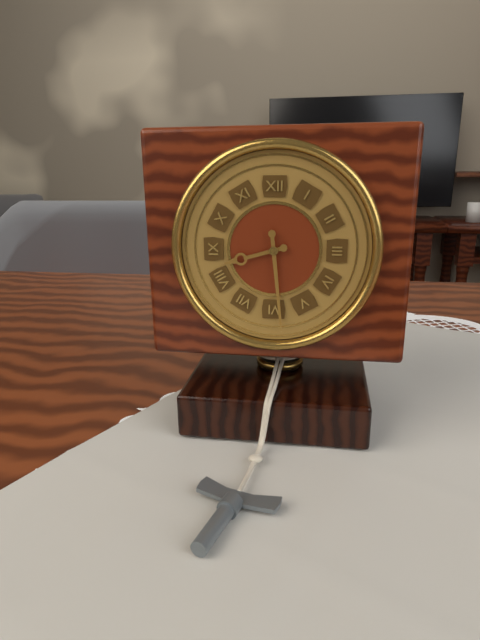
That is 8:29
